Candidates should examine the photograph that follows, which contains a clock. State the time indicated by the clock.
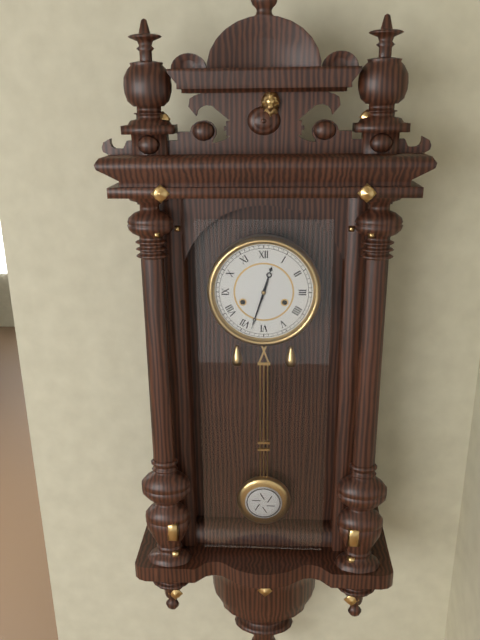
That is 12:33
